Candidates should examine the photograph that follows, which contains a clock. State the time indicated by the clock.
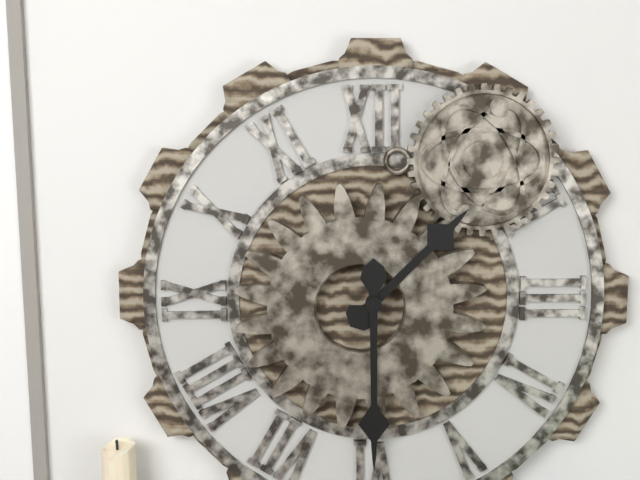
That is 1:30
